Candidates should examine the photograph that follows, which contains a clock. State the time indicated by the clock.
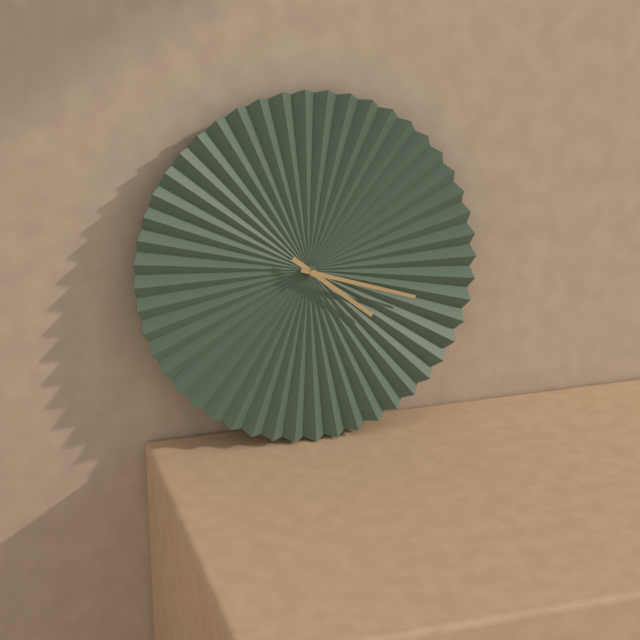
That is 4:18
